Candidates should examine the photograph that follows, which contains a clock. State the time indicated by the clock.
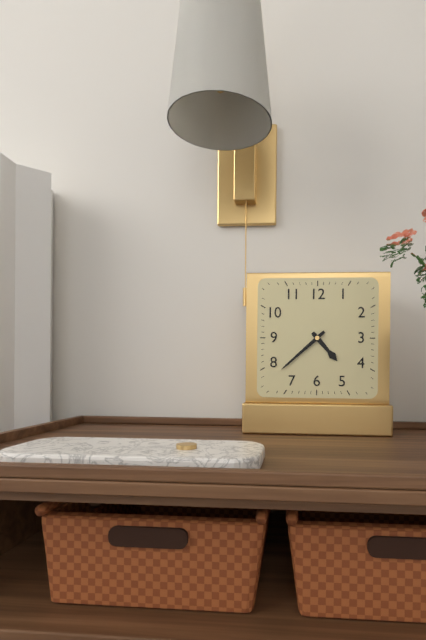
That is 4:38
